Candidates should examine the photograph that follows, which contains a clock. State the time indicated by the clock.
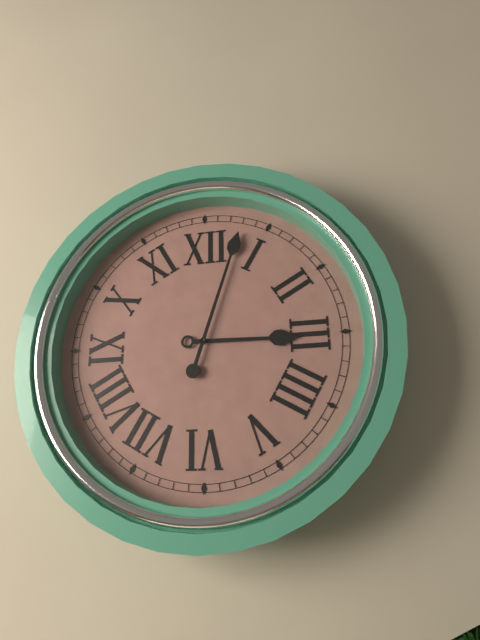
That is 3:03
